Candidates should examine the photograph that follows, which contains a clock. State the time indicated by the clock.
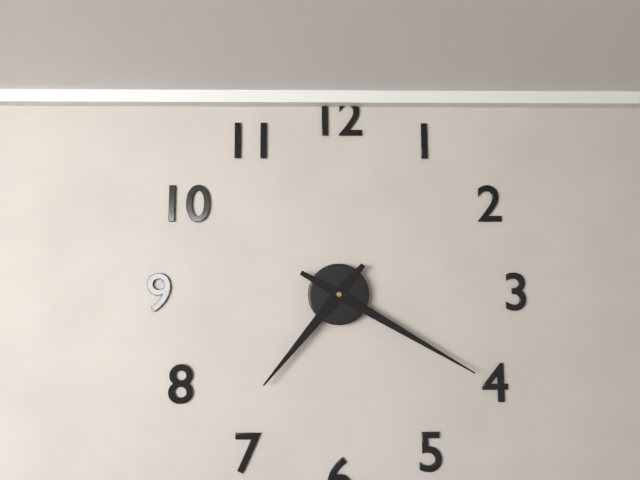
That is 7:20
